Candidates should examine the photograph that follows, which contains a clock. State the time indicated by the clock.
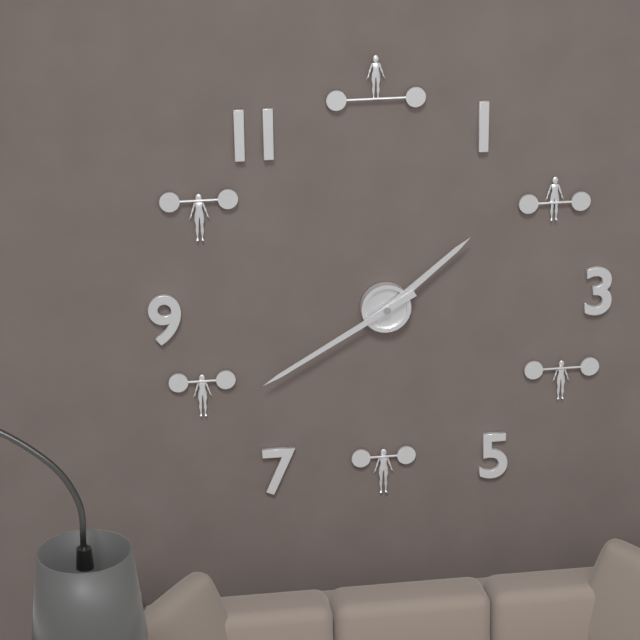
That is 1:40
